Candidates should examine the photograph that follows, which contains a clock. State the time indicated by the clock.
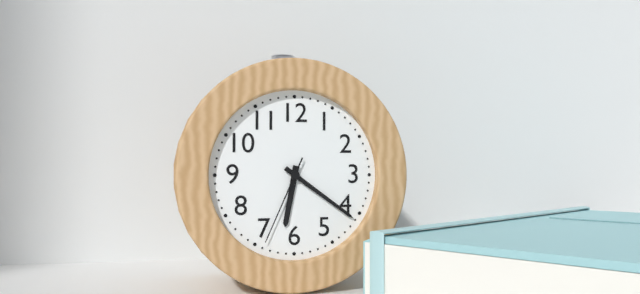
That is 6:21:34
